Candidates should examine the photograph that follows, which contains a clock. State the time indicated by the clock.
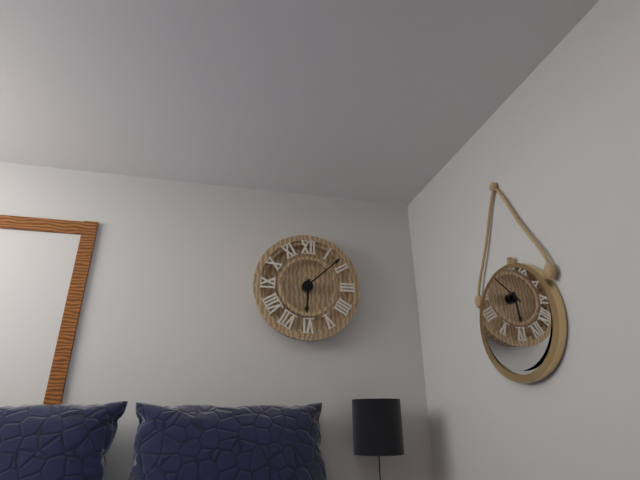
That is 6:08
